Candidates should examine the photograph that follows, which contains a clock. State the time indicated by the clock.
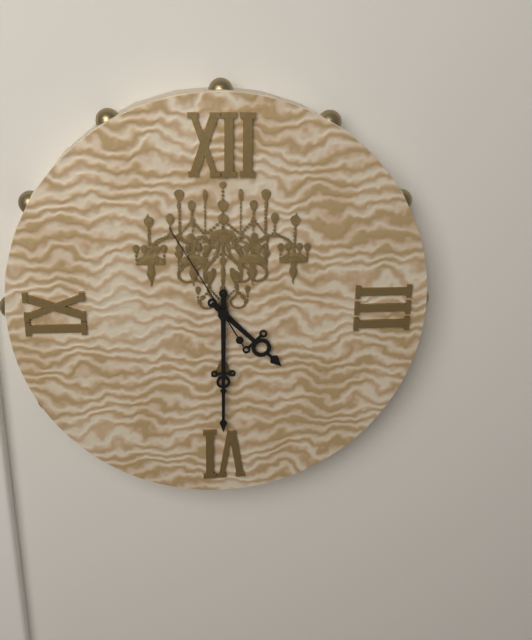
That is 4:30:55
